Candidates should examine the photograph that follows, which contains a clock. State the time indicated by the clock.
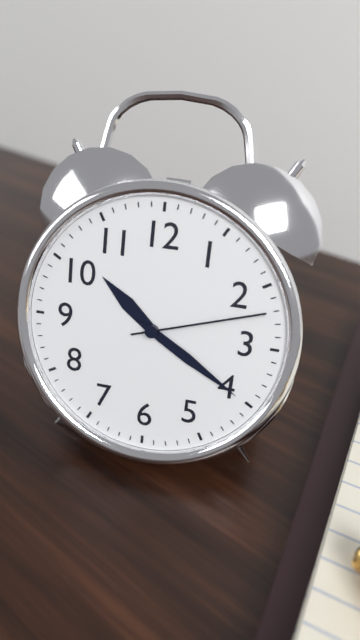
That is 10:20:12
